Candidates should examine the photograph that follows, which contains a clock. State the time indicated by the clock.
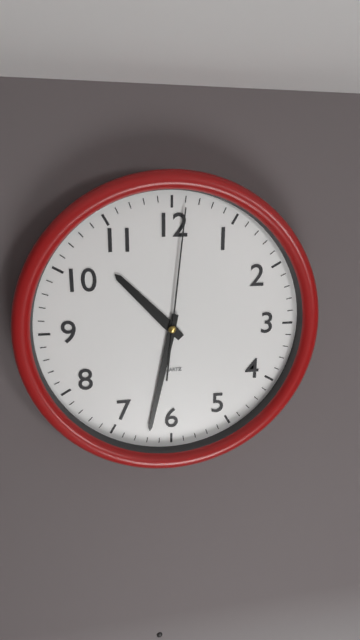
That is 10:32:01
